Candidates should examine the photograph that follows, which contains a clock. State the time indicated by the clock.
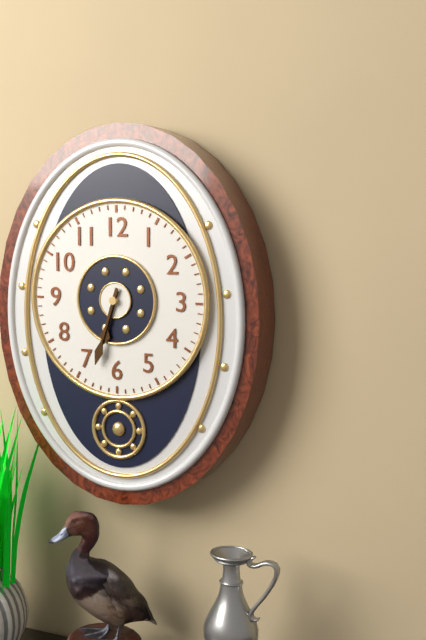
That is 6:33
